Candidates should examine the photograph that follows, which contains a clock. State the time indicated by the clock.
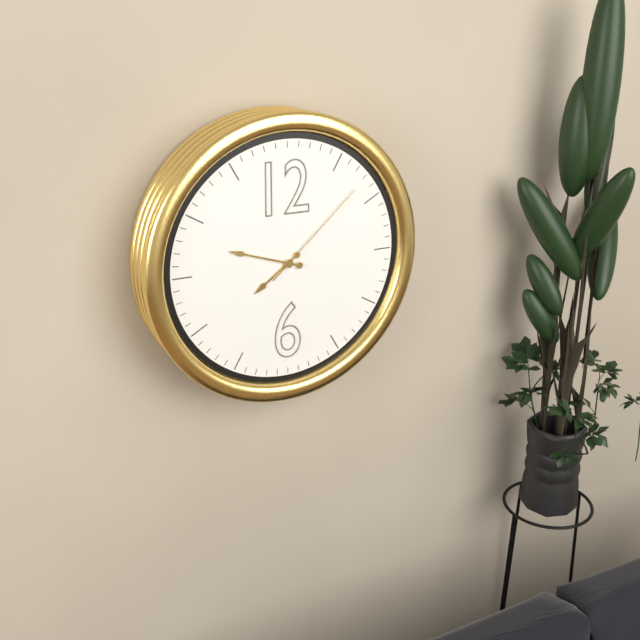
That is 7:48:08
